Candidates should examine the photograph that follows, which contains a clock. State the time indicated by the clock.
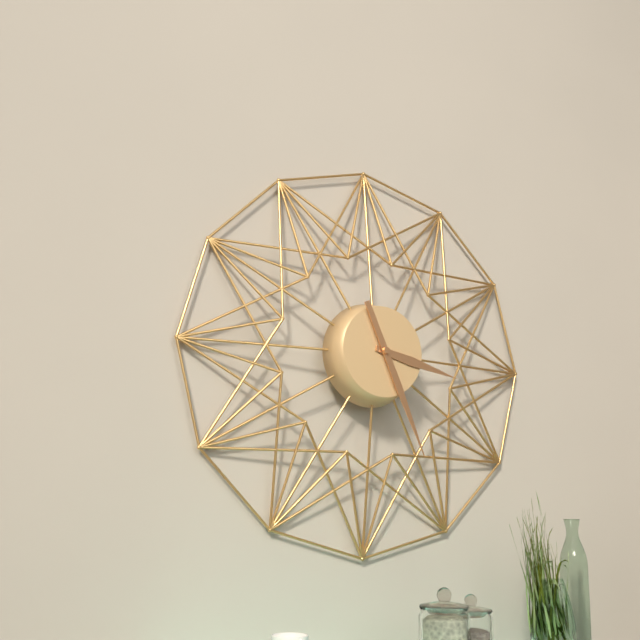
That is 3:26
